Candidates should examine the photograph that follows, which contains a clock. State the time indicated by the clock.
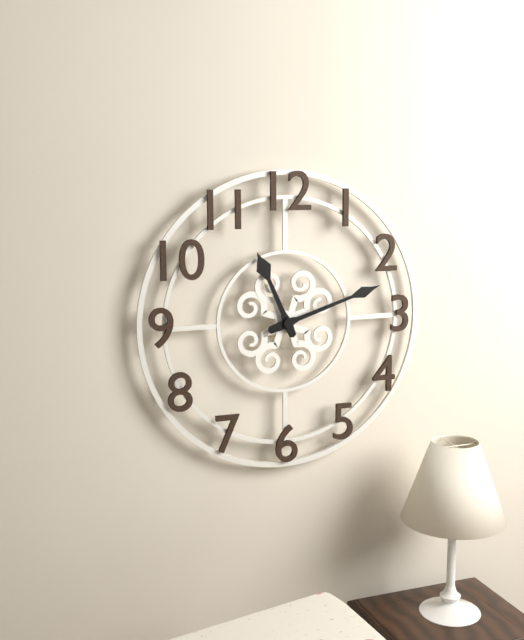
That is 11:12
